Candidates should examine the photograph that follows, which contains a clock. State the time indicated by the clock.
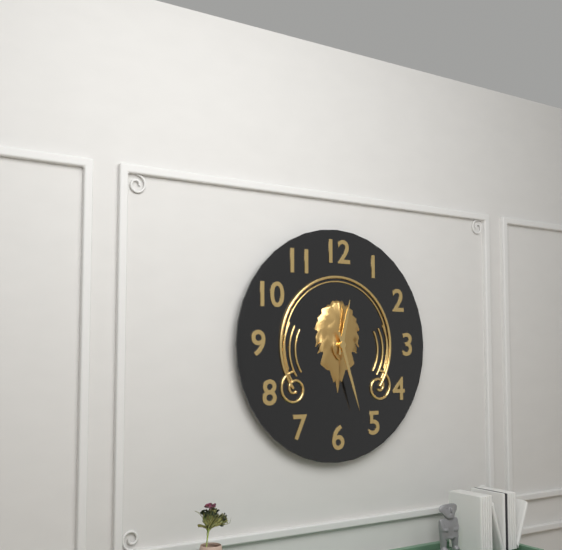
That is 12:27
